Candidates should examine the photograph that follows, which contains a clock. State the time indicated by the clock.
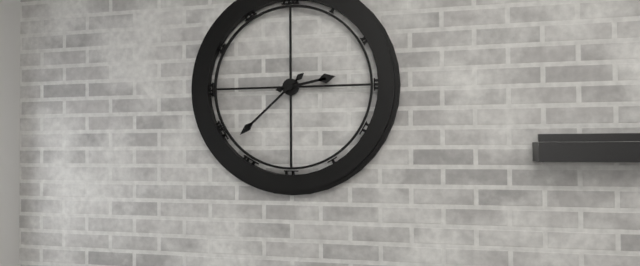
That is 2:38
